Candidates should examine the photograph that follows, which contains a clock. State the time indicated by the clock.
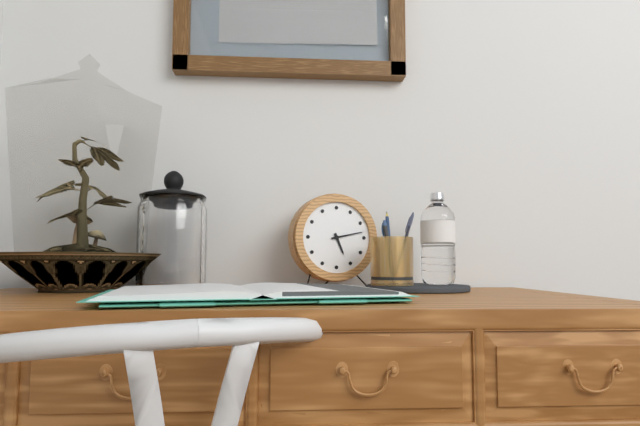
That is 5:13
